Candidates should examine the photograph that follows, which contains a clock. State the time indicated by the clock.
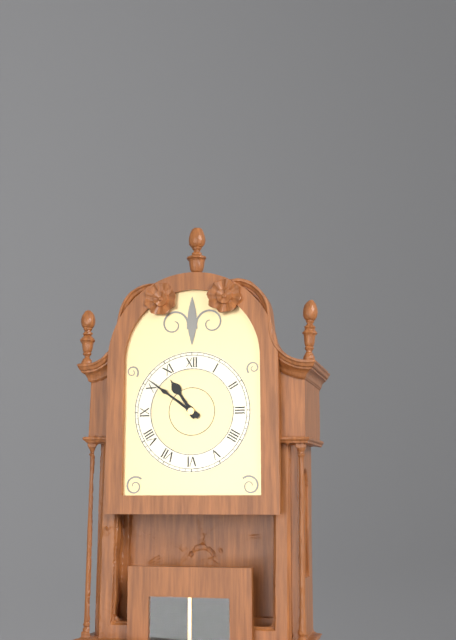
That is 10:51
